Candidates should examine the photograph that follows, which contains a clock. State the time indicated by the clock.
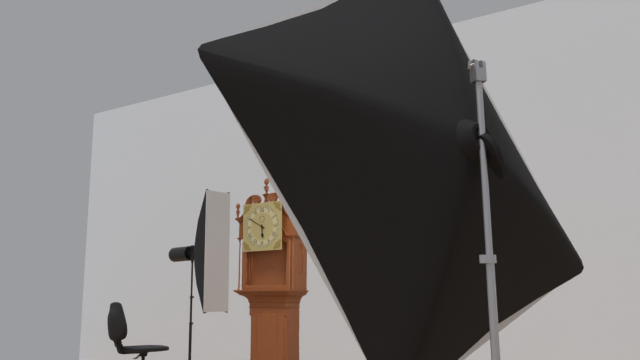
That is 5:50
